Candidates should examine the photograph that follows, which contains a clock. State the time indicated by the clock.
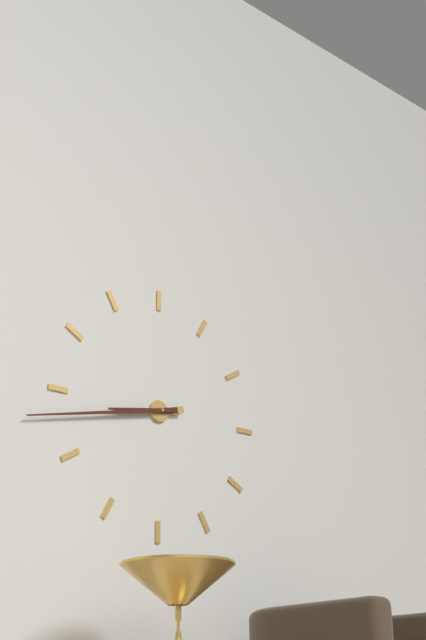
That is 8:43
